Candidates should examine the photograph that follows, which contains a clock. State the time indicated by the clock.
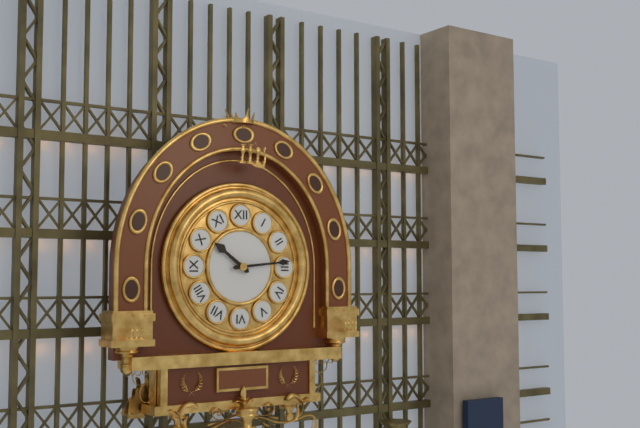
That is 10:14
